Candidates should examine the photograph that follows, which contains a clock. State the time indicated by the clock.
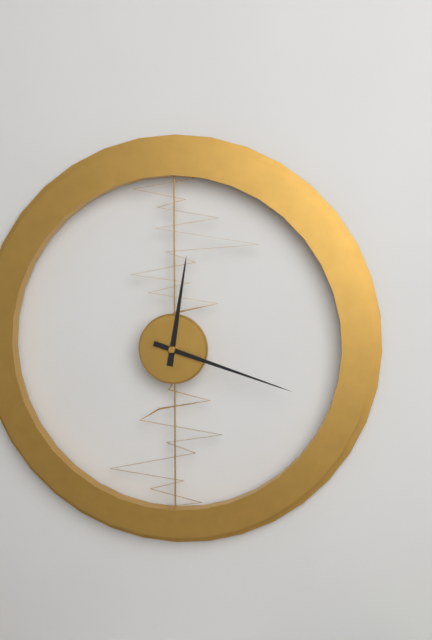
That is 12:18
